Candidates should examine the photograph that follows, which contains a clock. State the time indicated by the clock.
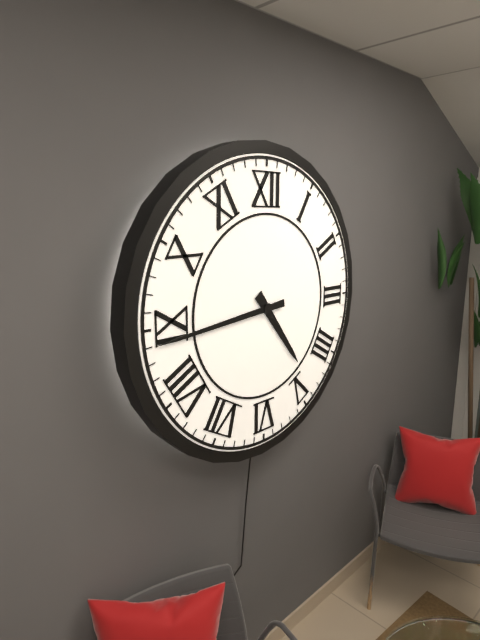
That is 4:44
